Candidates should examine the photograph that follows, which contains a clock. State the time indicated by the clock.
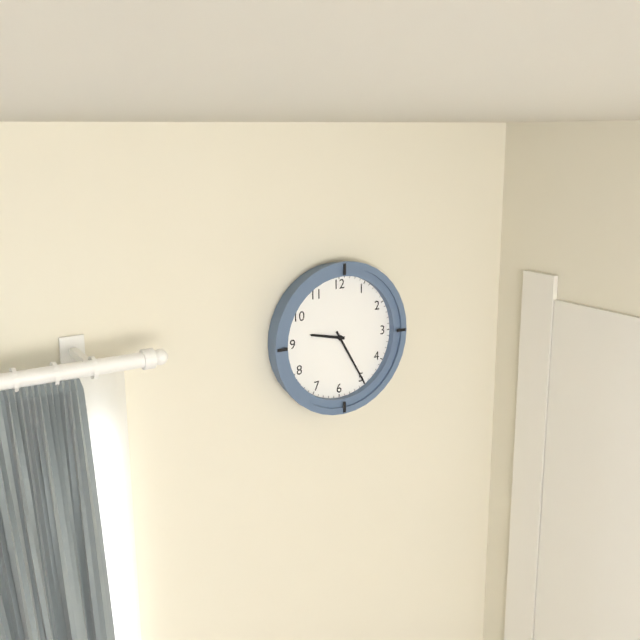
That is 9:25
